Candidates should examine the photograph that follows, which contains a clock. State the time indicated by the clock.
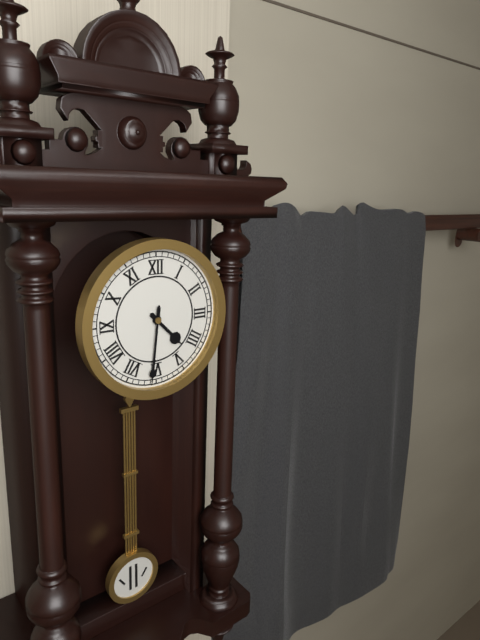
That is 4:31
